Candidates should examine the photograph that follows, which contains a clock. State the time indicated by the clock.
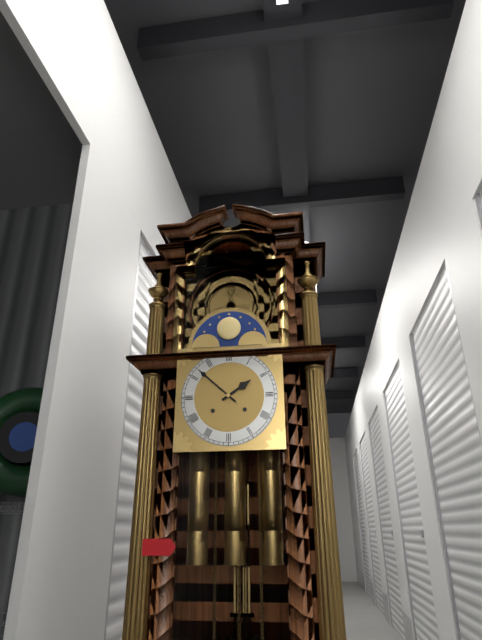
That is 1:52
